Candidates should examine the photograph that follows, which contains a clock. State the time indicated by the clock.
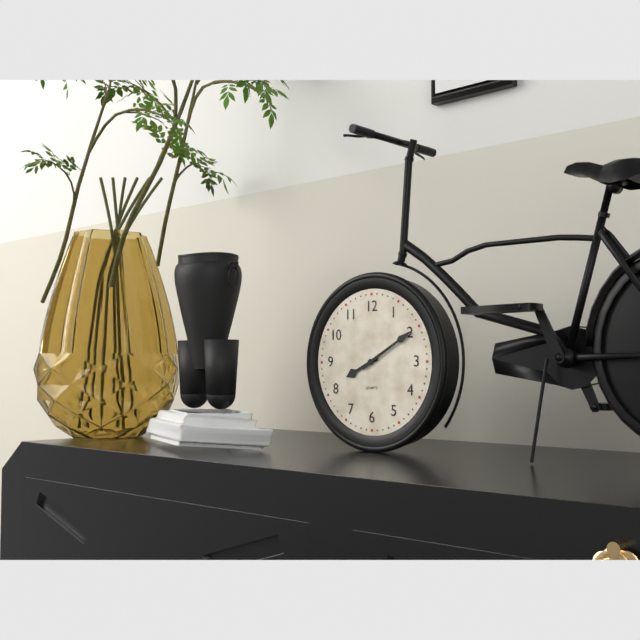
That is 8:10
